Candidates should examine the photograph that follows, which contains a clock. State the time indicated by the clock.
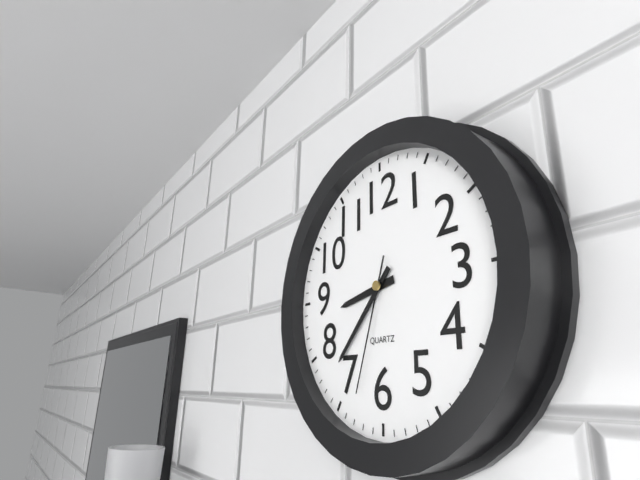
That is 8:37:33
